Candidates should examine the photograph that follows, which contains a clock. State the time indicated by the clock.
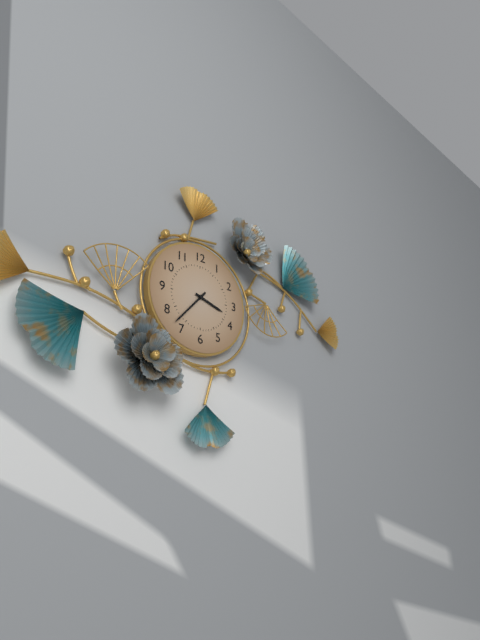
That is 3:37
